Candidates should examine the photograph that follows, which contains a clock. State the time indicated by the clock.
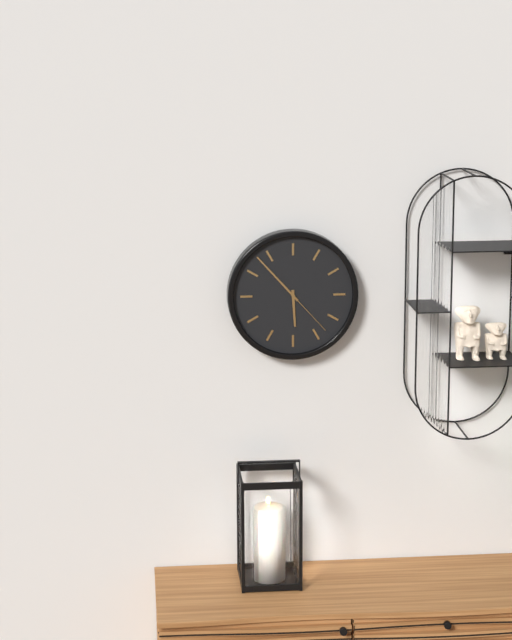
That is 5:53:23
